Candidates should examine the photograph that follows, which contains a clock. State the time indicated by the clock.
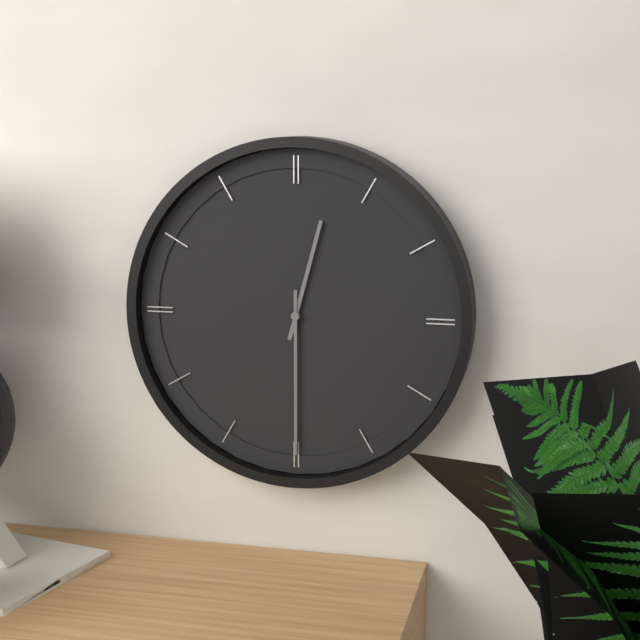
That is 12:30
